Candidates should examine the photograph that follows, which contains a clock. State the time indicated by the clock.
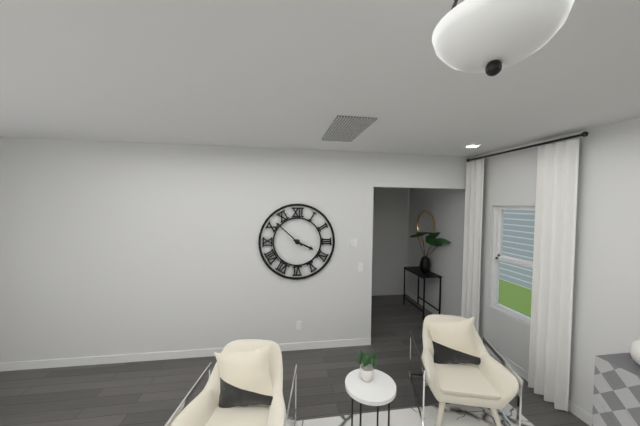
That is 3:52
